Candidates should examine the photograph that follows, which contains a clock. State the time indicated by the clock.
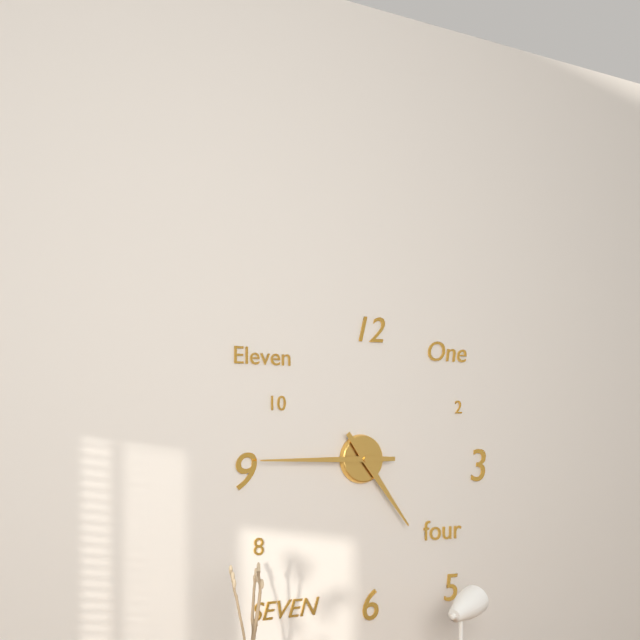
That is 4:45
